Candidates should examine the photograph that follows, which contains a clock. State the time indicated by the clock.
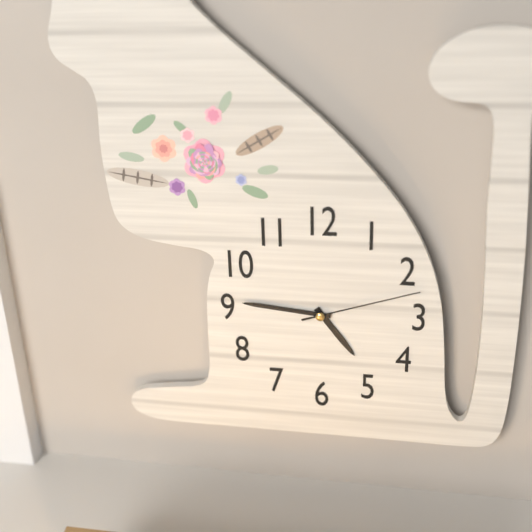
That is 4:46:12
